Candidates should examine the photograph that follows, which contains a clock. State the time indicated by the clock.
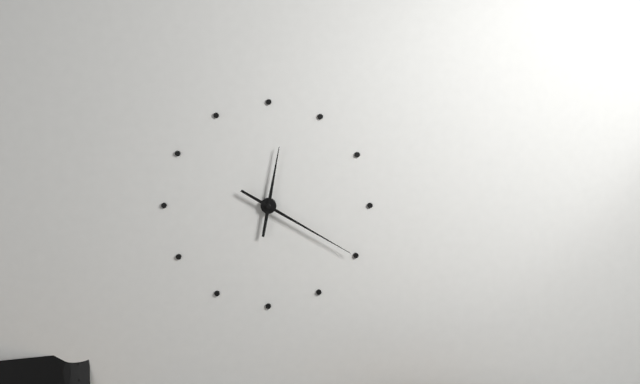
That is 12:20
